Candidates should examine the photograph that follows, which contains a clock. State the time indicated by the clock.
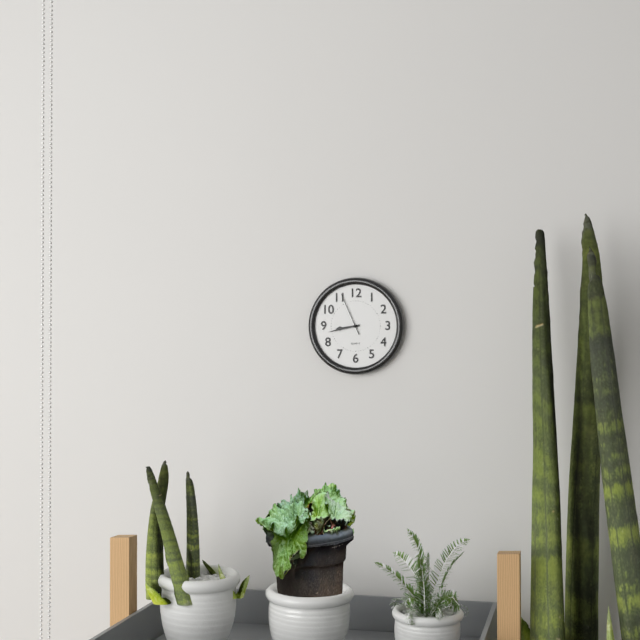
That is 8:43
